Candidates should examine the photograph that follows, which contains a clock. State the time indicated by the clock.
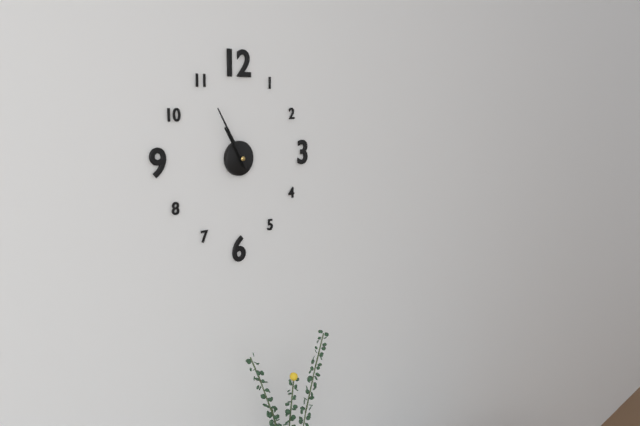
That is 10:55
